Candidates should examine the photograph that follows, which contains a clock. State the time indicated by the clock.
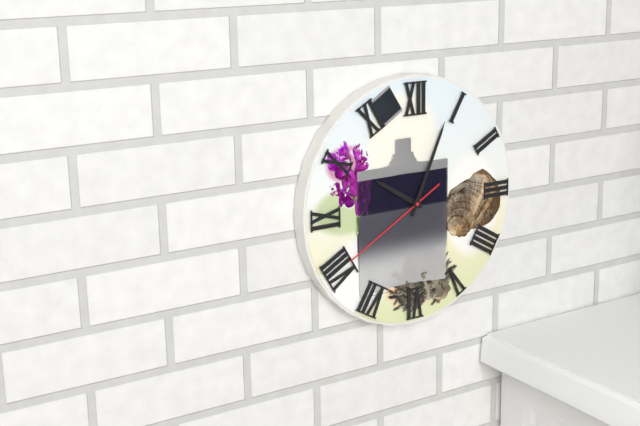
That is 10:04:40
